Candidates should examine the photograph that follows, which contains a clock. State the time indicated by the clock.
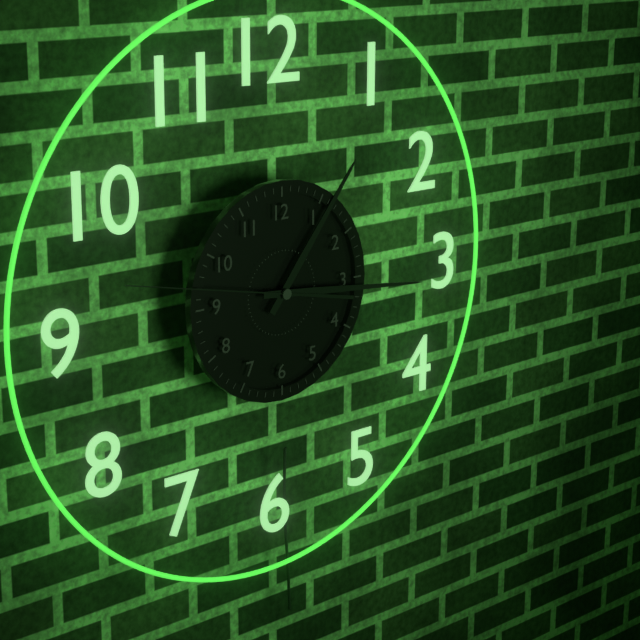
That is 1:16:47
